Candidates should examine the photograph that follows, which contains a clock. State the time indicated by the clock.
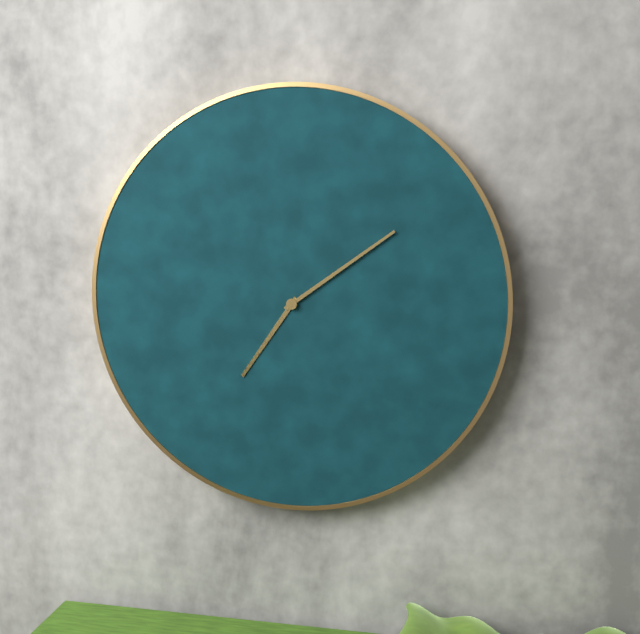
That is 7:09
